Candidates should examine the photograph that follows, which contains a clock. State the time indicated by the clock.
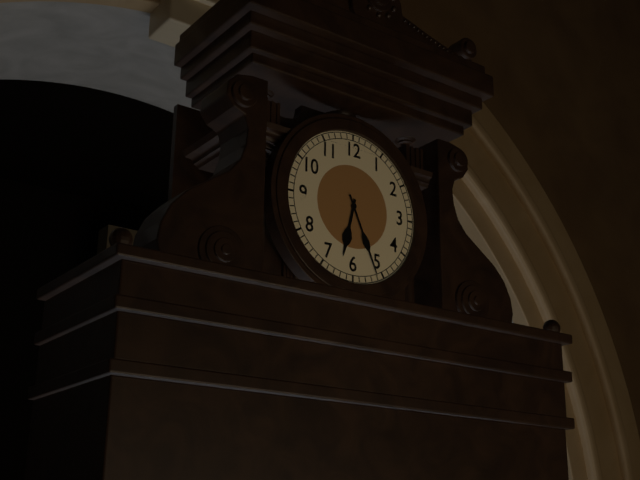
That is 6:26
